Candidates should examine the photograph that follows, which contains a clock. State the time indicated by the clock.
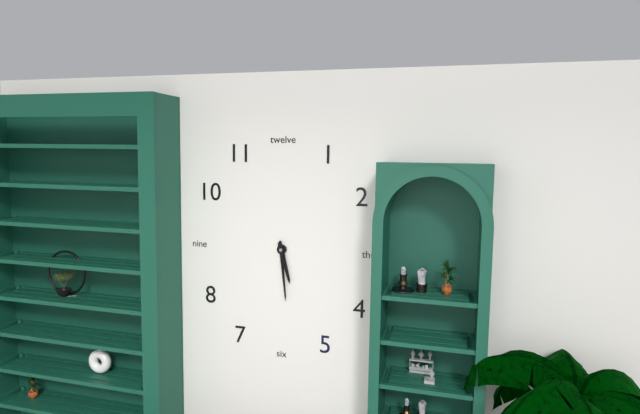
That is 5:29
